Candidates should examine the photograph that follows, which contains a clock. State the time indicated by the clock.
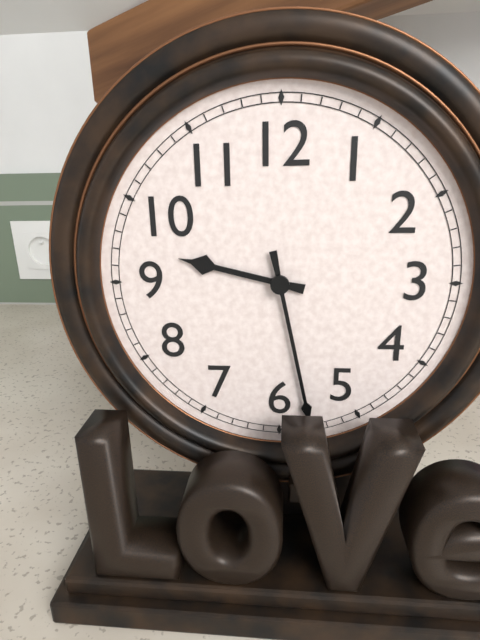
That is 9:28
